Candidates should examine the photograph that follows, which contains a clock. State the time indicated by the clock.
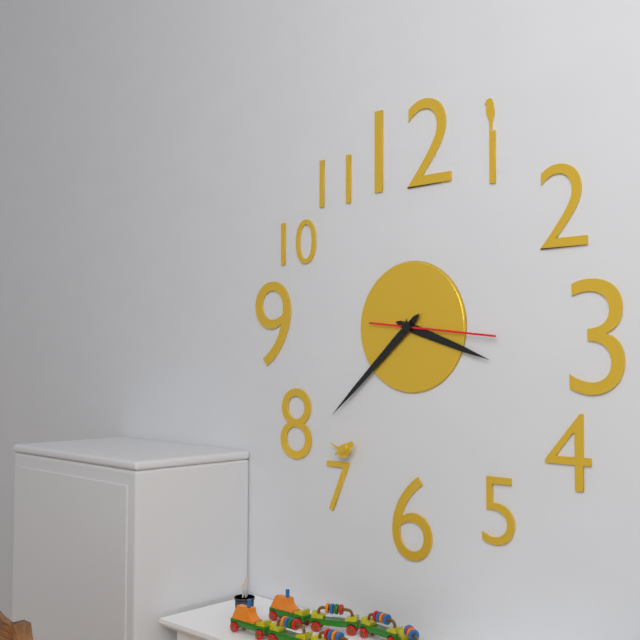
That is 3:38:16
